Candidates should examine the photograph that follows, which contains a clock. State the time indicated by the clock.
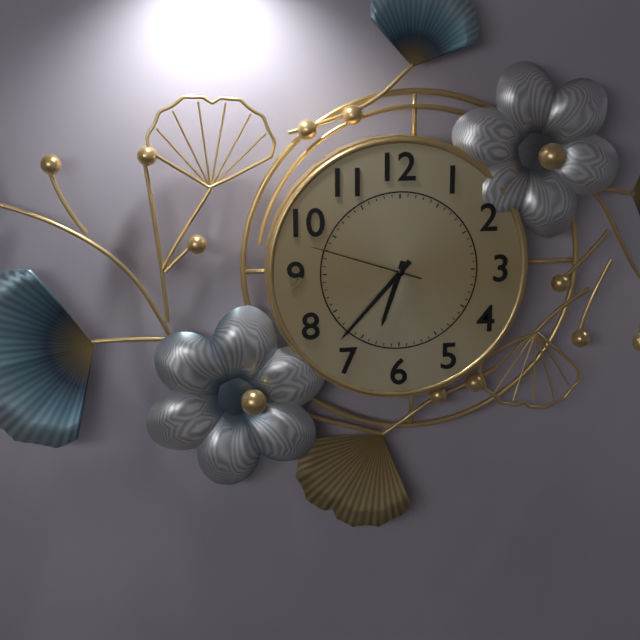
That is 6:37:48
